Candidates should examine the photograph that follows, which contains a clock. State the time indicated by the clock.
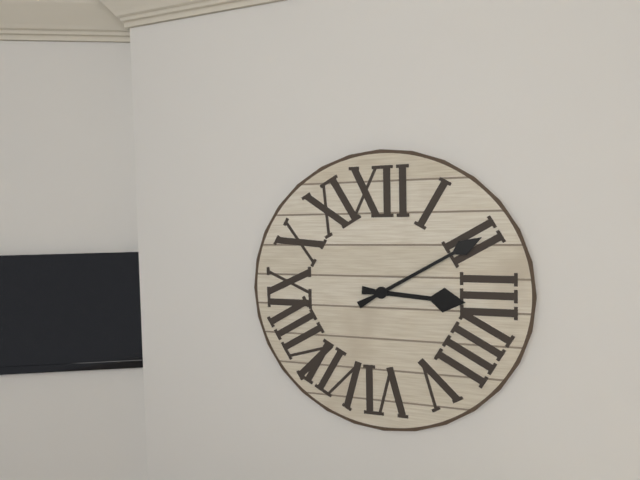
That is 3:10
